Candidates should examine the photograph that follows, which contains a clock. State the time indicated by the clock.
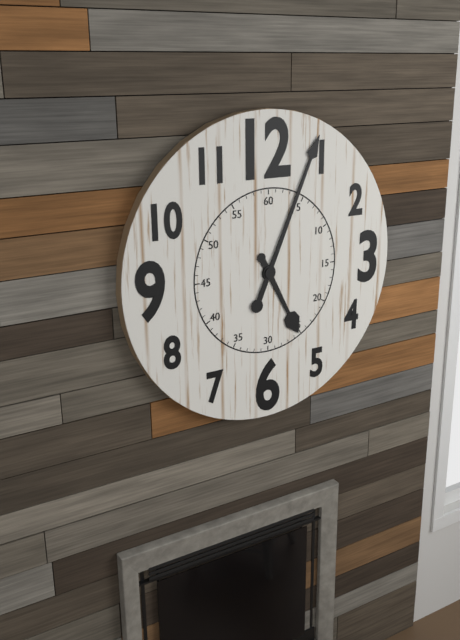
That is 5:04
